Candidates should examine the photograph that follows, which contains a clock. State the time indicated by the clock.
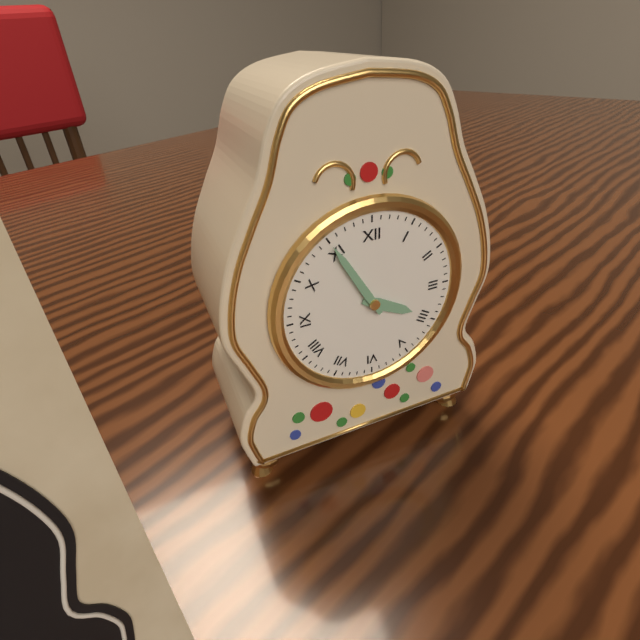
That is 3:55
